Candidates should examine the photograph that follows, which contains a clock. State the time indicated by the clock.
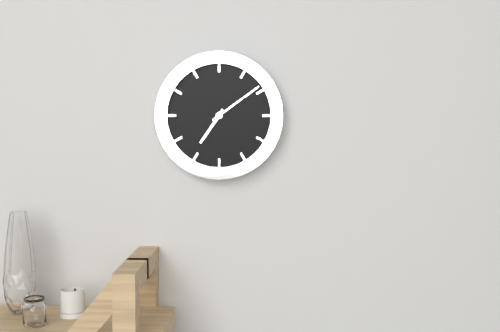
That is 7:09
